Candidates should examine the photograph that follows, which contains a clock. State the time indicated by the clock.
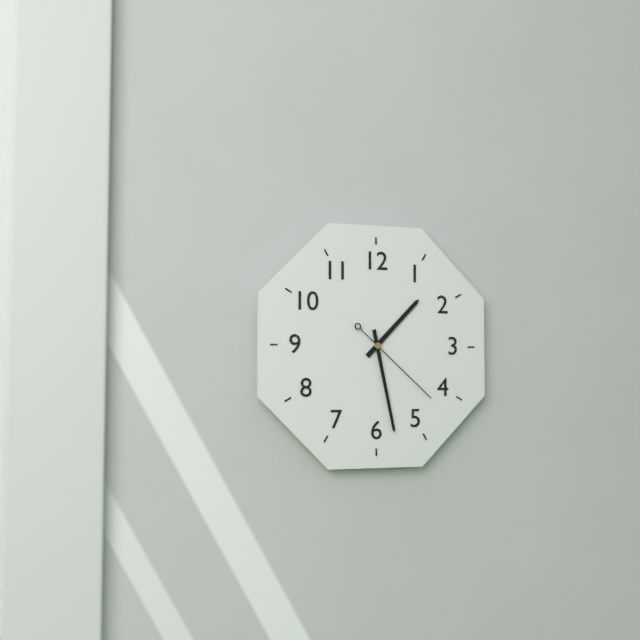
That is 1:28:22
